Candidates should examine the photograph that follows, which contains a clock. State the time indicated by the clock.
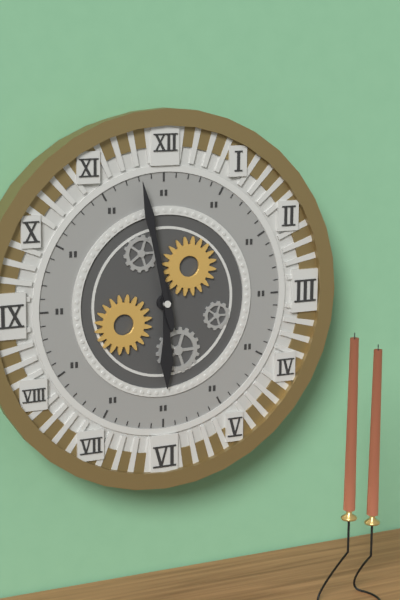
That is 5:58
